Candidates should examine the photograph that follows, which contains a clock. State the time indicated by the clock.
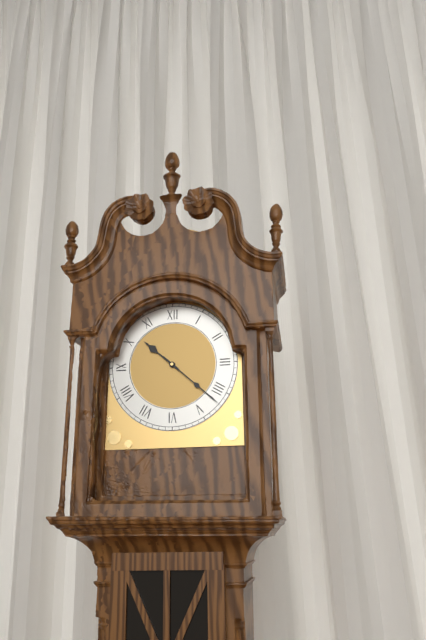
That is 10:22
